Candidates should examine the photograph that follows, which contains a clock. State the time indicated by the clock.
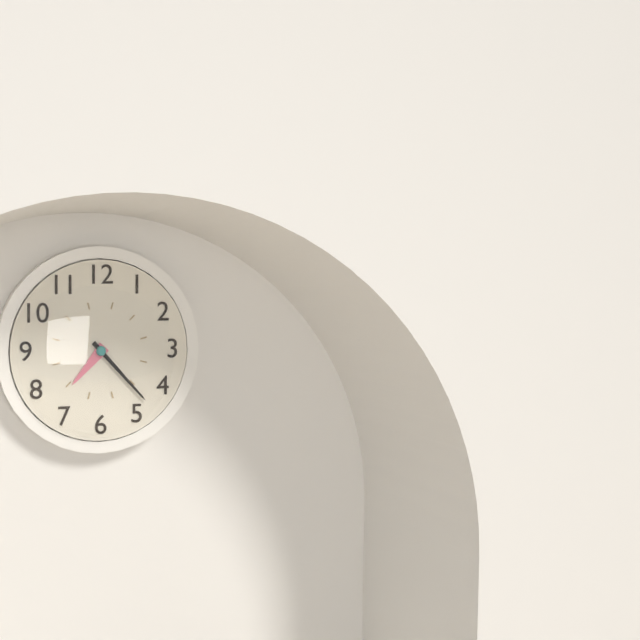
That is 7:23
